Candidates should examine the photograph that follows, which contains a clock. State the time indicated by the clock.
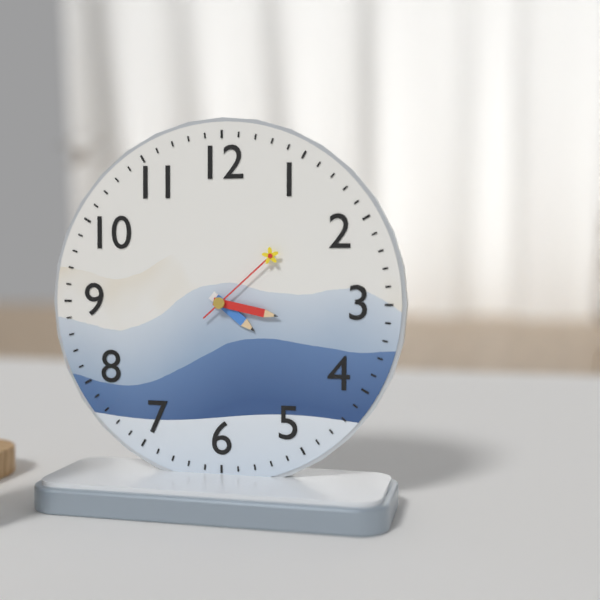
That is 4:17:08
